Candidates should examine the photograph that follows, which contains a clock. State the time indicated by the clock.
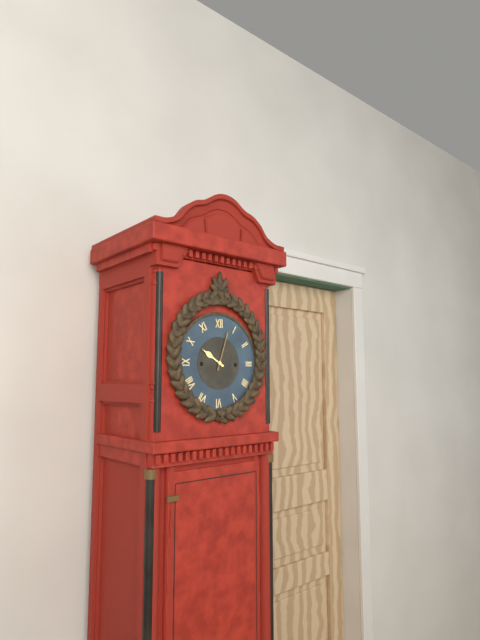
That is 10:03
